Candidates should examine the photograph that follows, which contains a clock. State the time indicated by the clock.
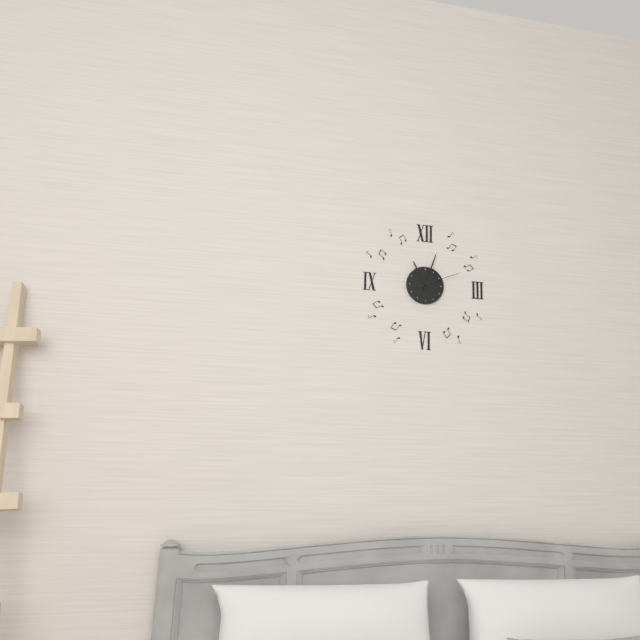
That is 11:03
